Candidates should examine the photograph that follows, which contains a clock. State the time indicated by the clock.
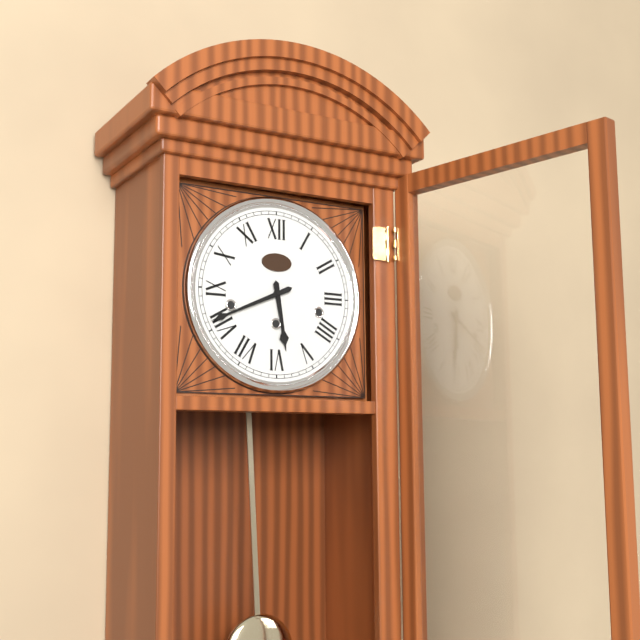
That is 5:41
